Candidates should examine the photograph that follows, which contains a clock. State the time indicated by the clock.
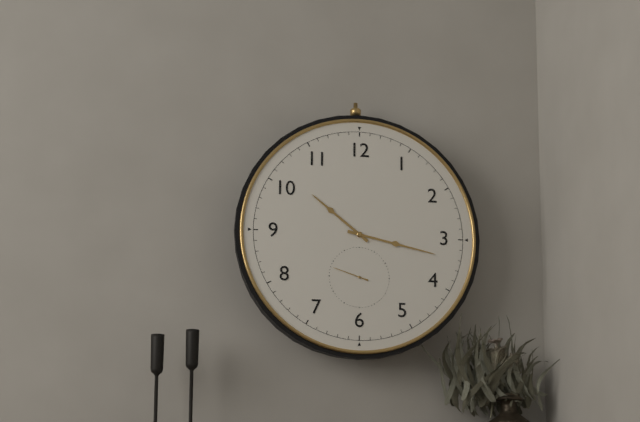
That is 10:17
